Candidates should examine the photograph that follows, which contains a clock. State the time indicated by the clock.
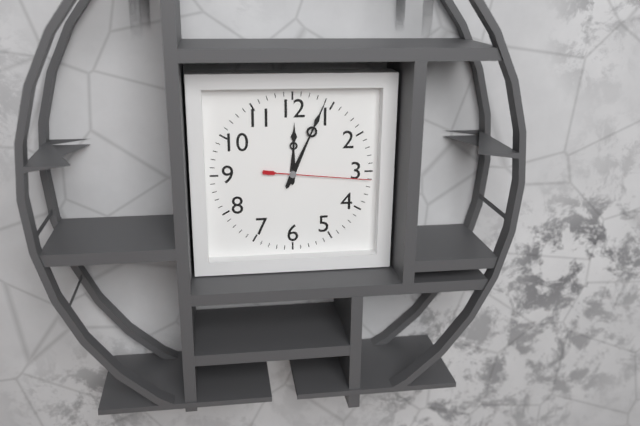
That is 12:04:16
